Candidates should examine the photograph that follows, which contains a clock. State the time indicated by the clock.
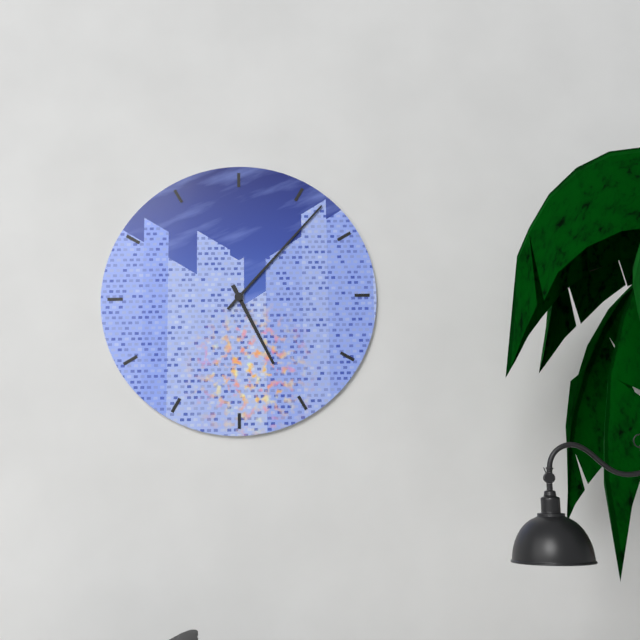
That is 5:07
